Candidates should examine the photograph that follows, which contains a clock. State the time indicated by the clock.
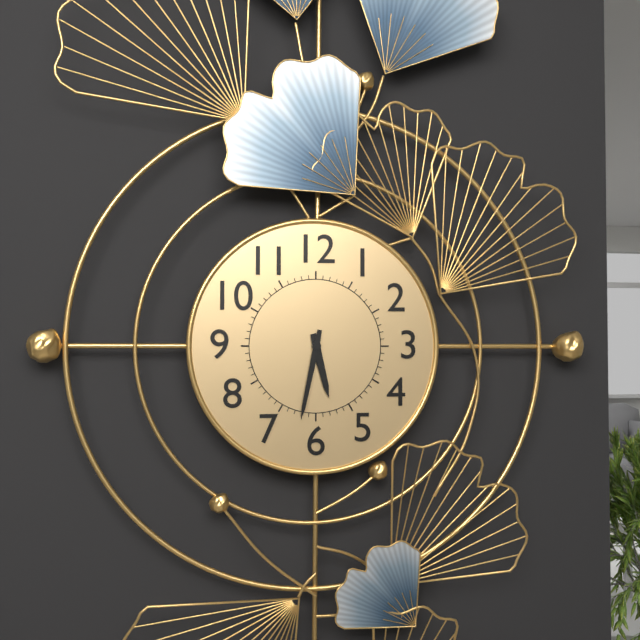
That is 5:32
